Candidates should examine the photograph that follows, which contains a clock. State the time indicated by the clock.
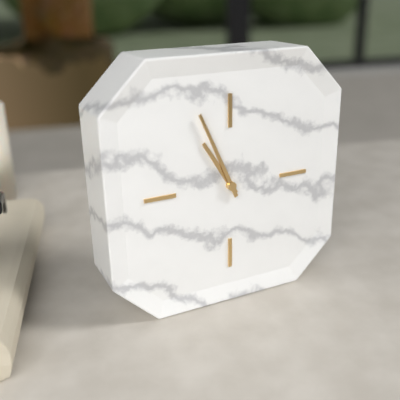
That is 10:56
